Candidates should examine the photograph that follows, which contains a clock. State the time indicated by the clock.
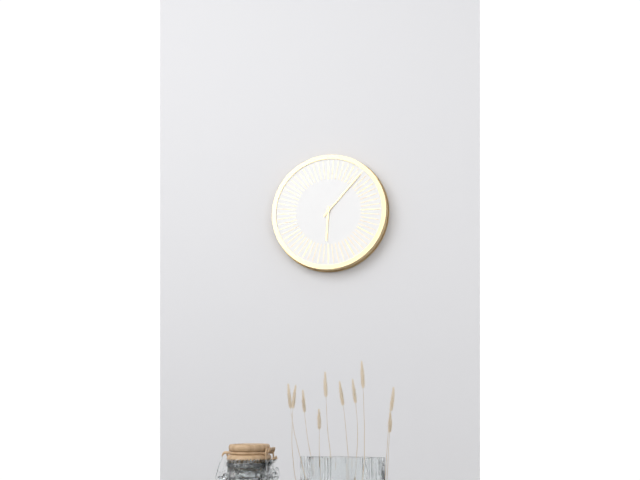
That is 6:07
